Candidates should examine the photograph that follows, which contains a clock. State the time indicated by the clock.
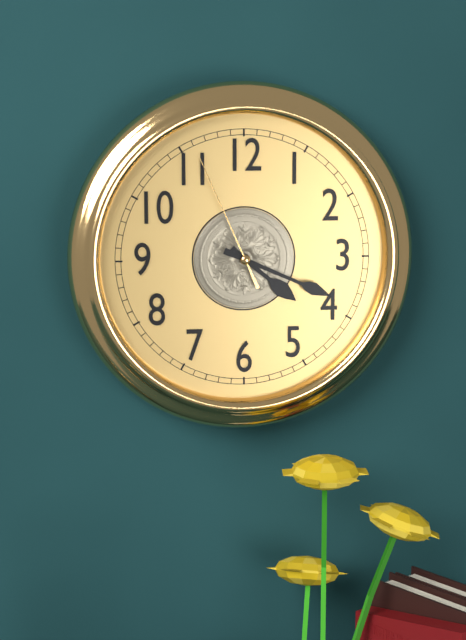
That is 4:19:56
